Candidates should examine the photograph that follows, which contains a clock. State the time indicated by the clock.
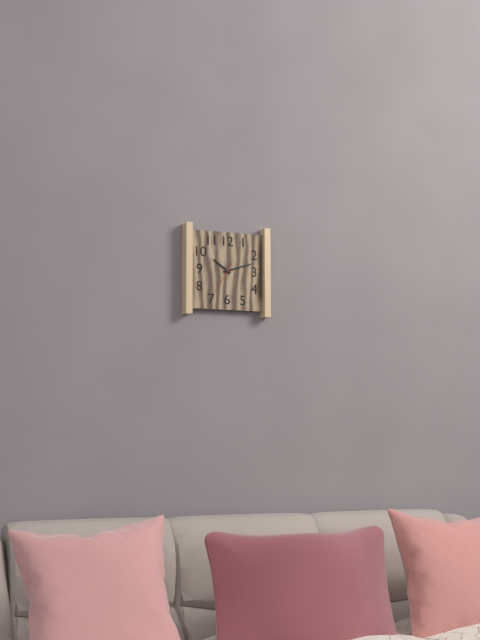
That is 10:12
